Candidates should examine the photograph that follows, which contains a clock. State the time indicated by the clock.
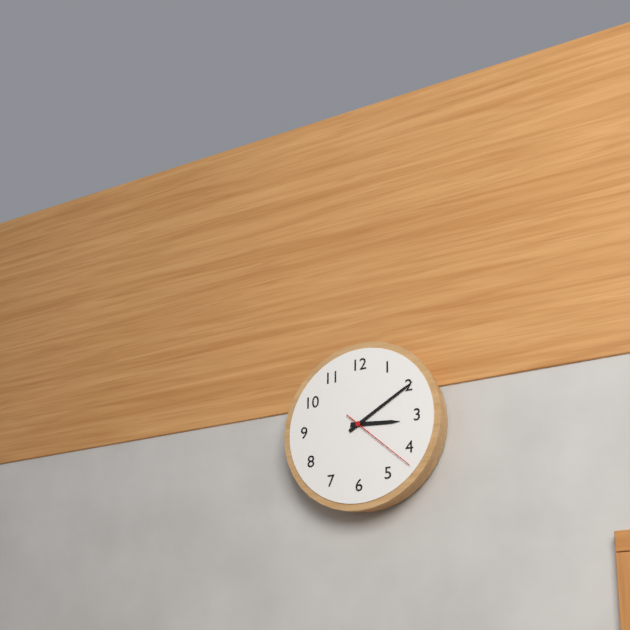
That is 3:10:22
